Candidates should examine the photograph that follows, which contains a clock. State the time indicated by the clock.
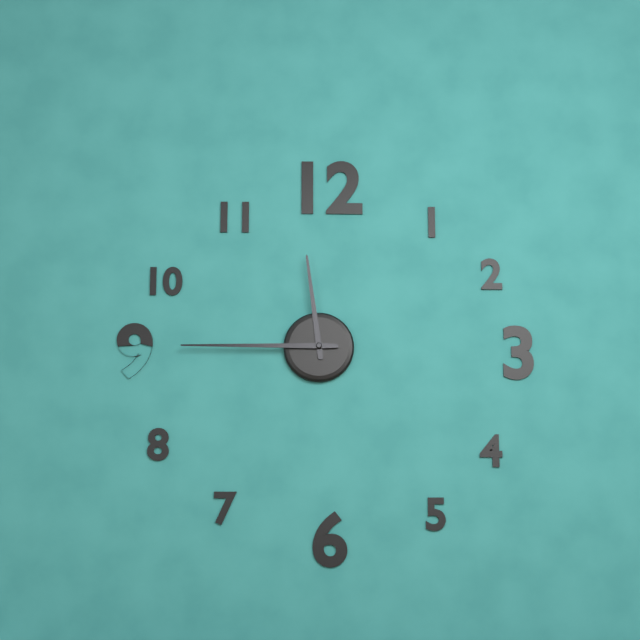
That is 11:45
